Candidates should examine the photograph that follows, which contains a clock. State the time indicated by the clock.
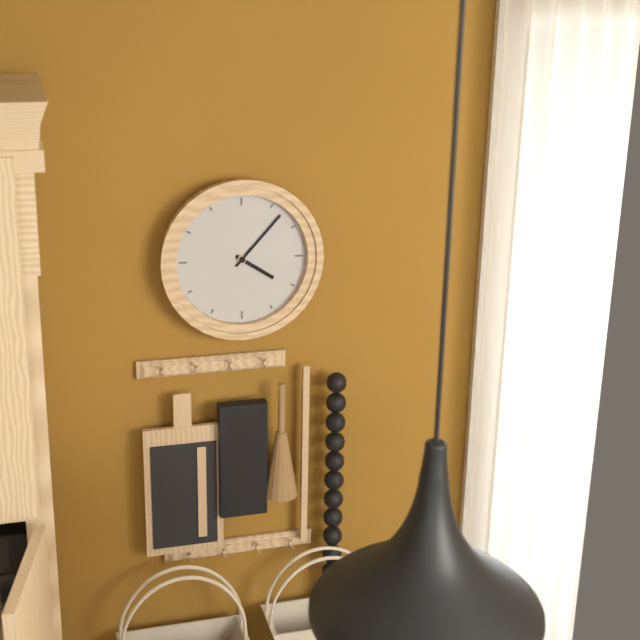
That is 4:07
